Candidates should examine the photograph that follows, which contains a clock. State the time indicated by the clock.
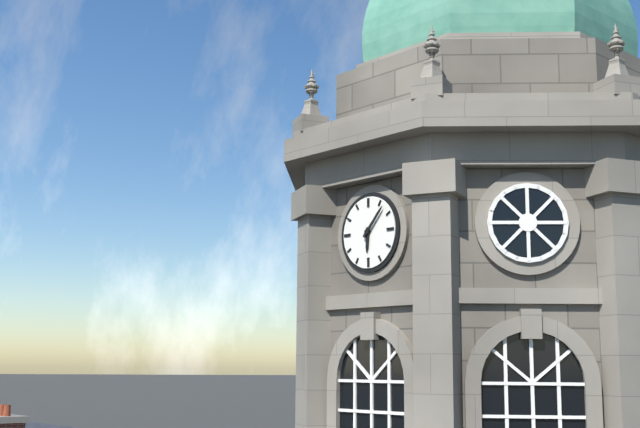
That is 6:07
